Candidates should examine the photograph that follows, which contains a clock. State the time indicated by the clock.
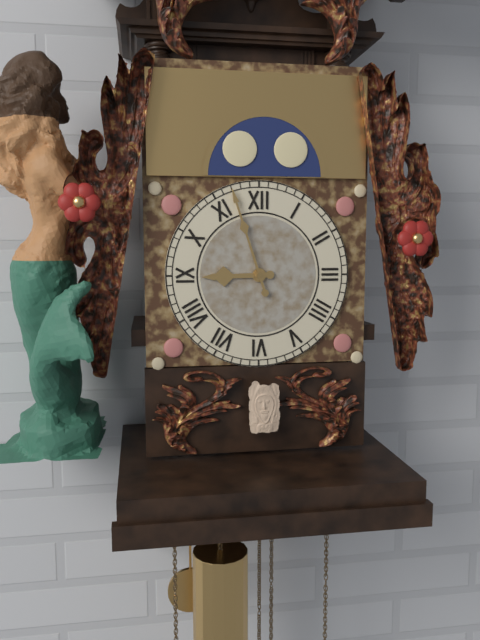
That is 8:57
